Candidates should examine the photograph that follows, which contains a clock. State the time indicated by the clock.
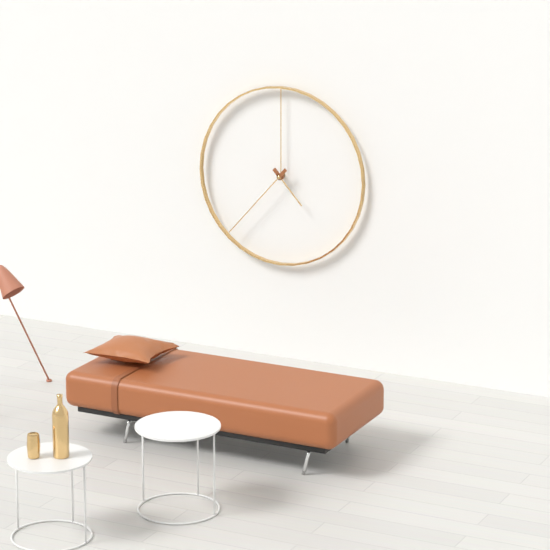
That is 4:37
